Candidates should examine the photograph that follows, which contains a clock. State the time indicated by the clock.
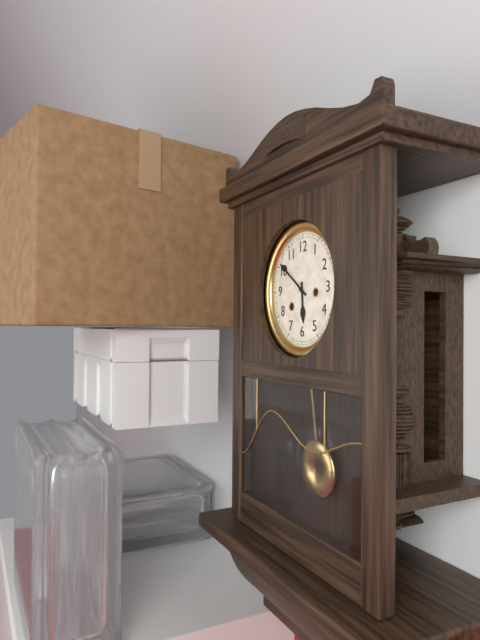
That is 5:51
